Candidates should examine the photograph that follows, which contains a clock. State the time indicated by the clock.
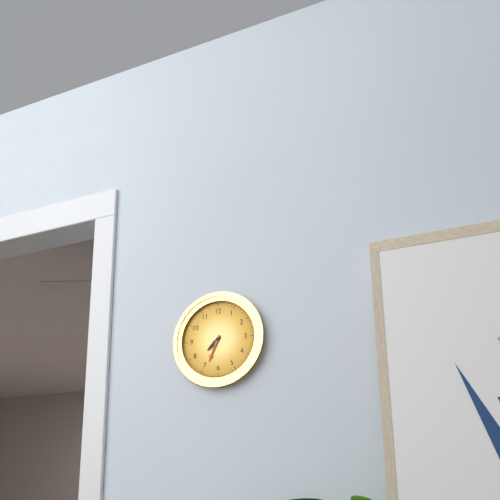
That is 7:34
